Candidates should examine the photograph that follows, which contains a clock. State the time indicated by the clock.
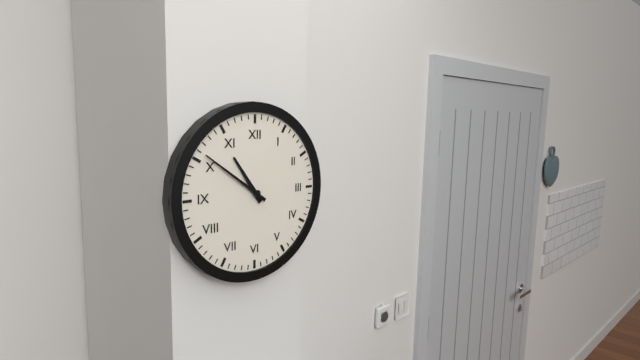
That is 10:51
